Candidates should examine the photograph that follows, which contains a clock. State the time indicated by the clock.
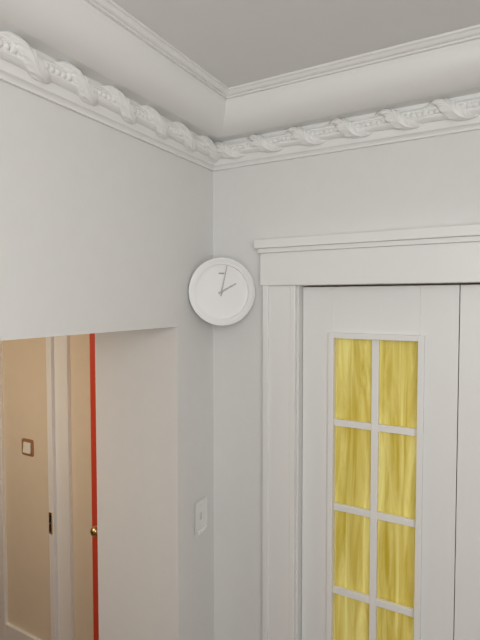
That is 2:02
